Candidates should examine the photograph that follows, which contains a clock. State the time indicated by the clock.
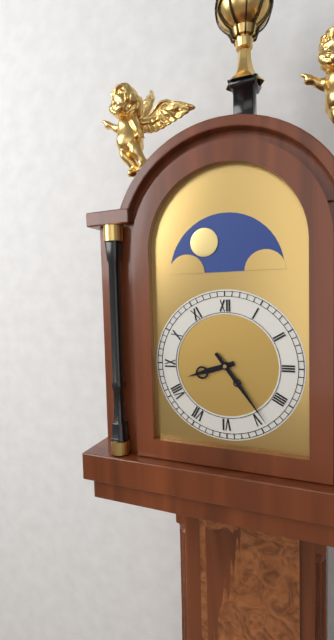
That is 8:24
